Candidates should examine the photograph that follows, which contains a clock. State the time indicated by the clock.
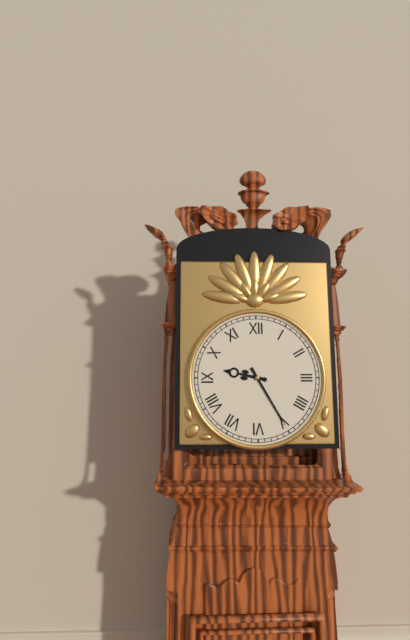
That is 9:25
